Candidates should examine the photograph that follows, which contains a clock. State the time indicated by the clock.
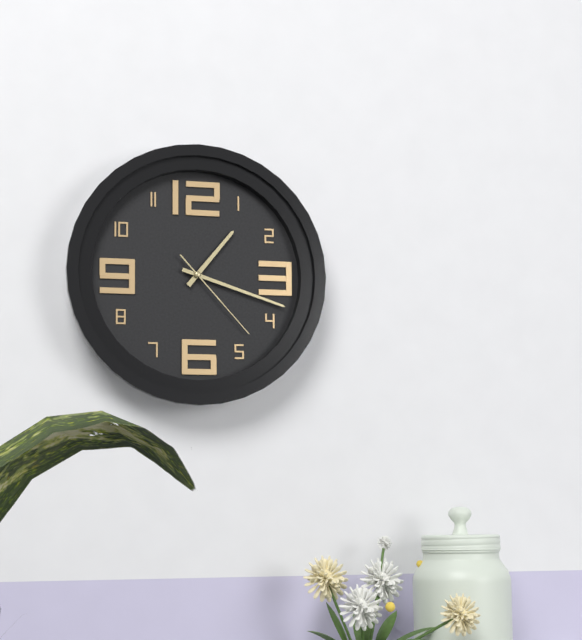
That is 1:18:23
